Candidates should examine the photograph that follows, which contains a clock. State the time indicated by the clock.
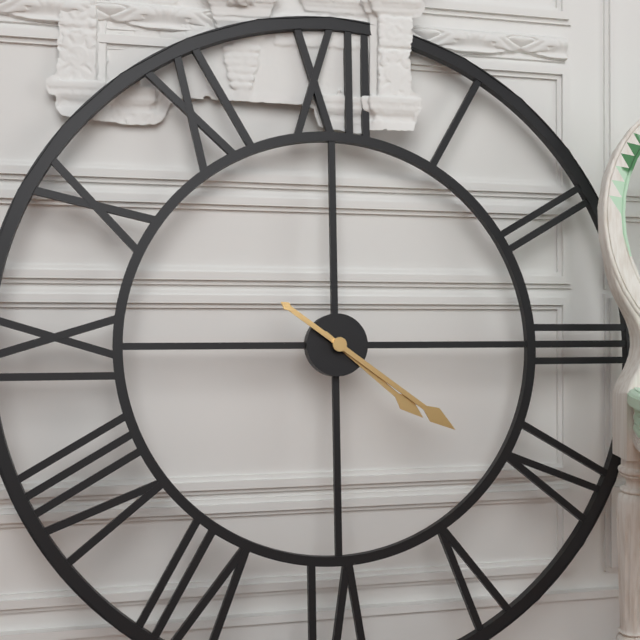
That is 4:21
